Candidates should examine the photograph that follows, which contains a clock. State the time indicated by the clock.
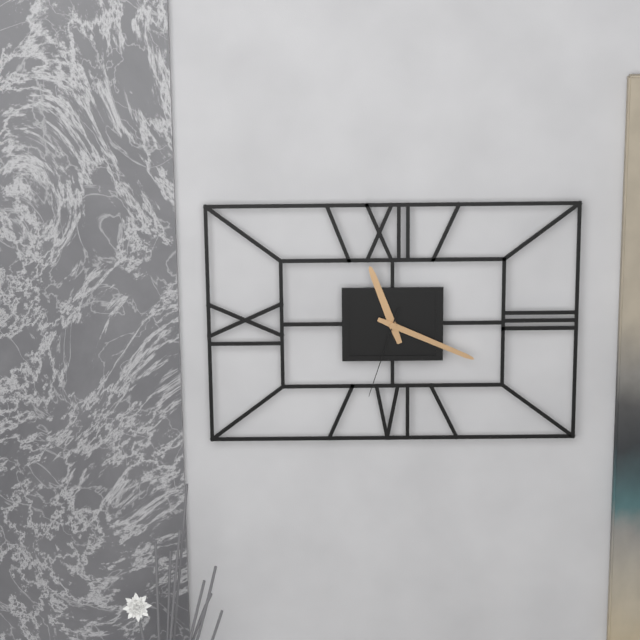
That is 11:19:33
